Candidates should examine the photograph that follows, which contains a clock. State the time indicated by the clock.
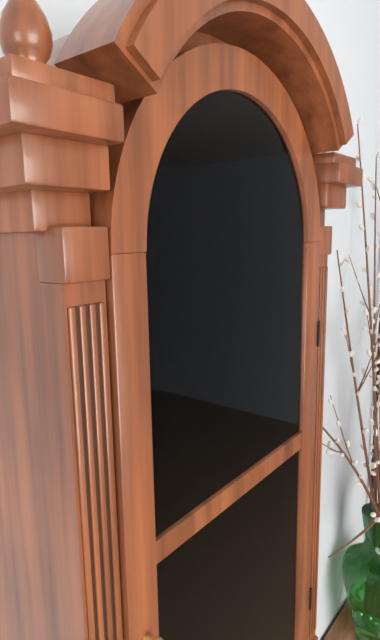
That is 1:50
